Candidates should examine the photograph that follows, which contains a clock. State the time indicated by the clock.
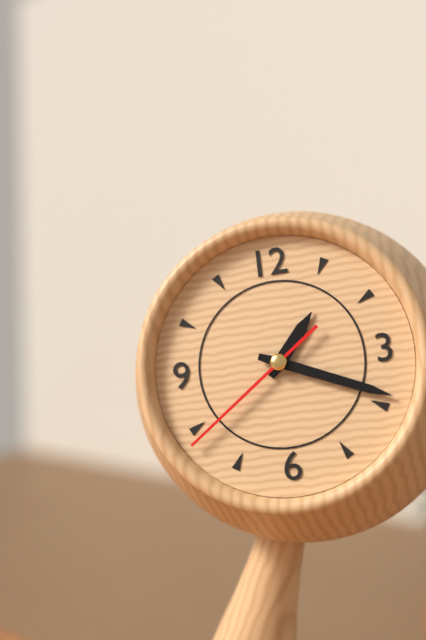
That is 1:19:39
